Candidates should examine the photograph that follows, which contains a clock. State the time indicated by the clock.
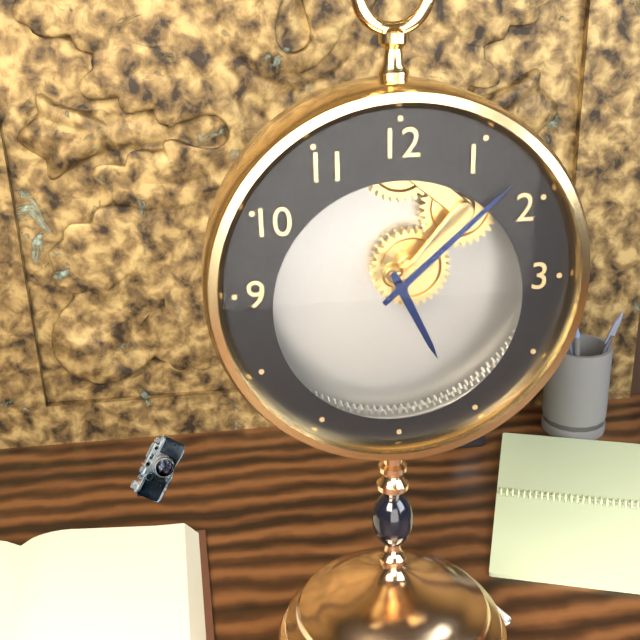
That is 5:08
